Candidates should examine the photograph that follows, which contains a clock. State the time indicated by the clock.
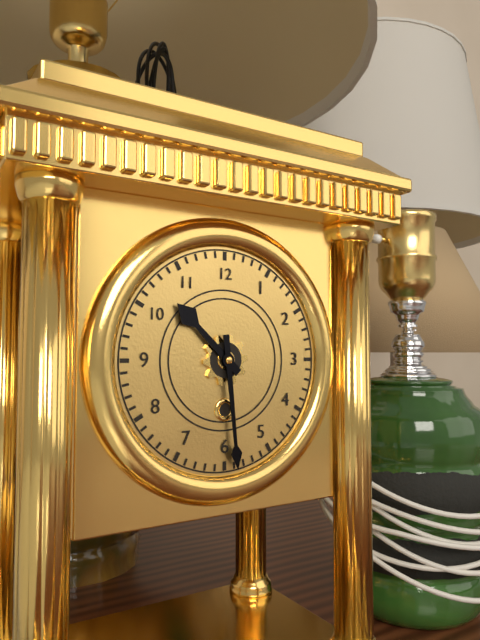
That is 10:29
